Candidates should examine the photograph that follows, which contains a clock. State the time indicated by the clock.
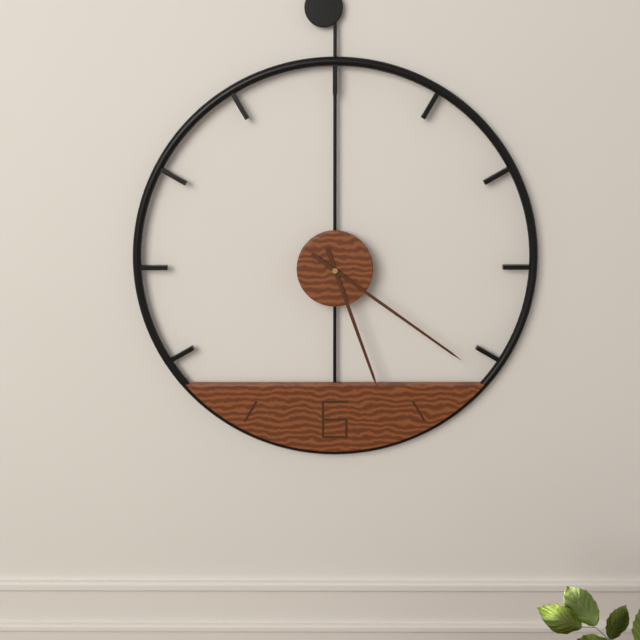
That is 5:21
